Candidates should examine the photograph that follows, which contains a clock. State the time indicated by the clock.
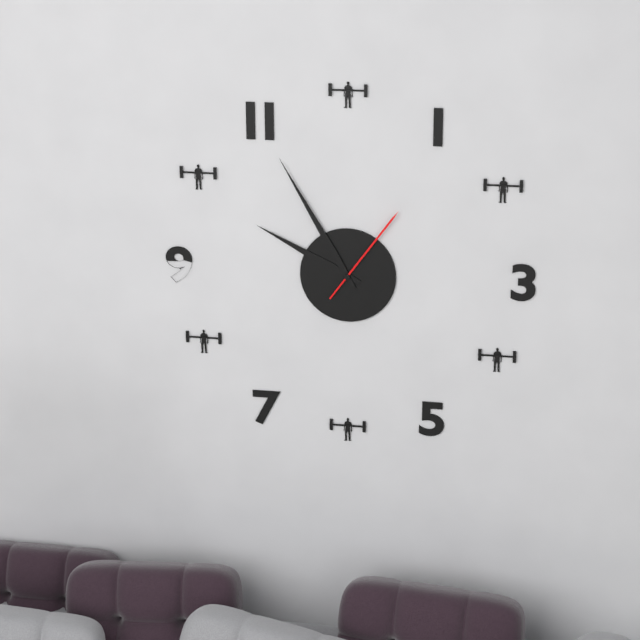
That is 9:55:06
